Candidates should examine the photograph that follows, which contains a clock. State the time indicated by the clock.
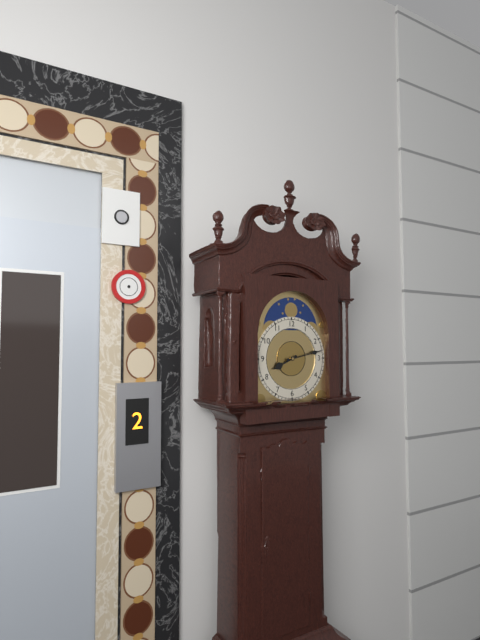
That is 8:13
